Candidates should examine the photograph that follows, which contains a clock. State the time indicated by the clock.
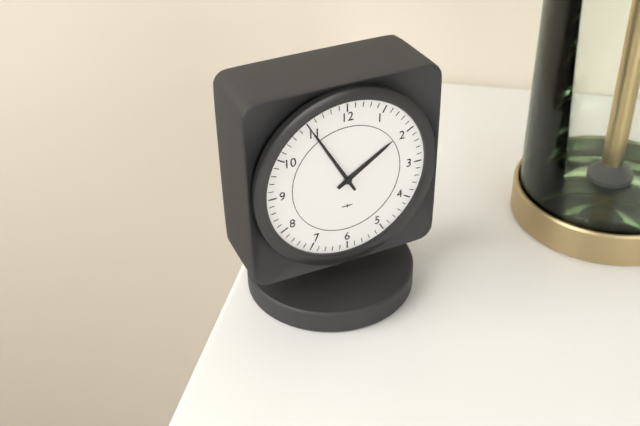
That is 1:55
